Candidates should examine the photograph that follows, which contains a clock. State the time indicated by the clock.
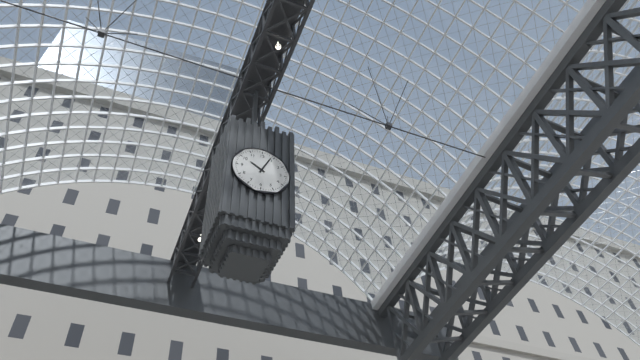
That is 10:04
